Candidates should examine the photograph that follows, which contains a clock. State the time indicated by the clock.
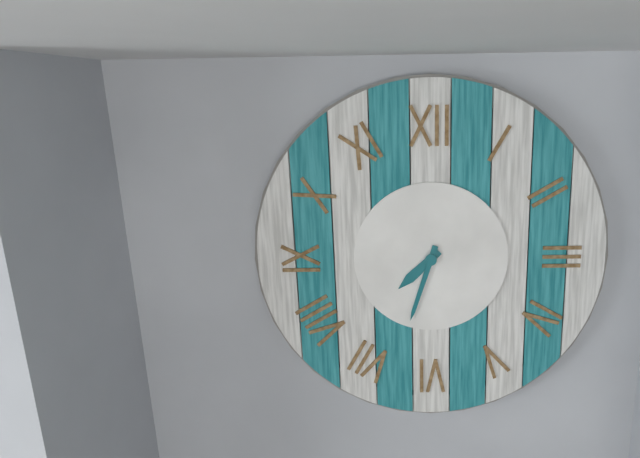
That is 7:33
